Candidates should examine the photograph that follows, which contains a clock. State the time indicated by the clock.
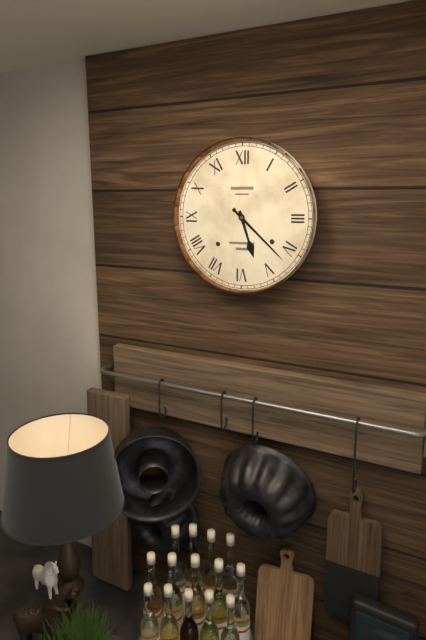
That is 5:22
